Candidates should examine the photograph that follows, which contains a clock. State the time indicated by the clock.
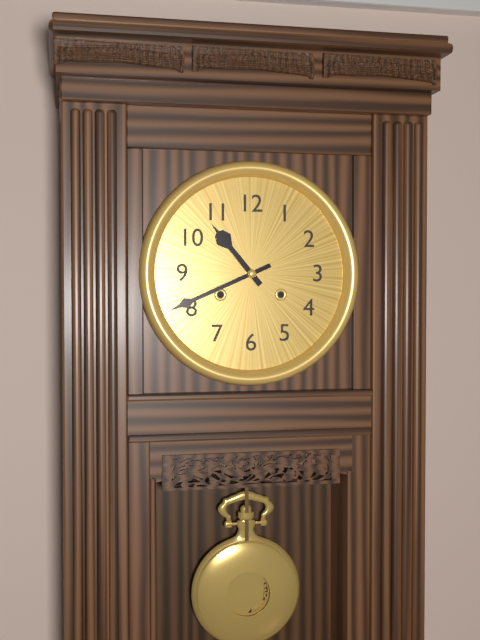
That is 10:41
